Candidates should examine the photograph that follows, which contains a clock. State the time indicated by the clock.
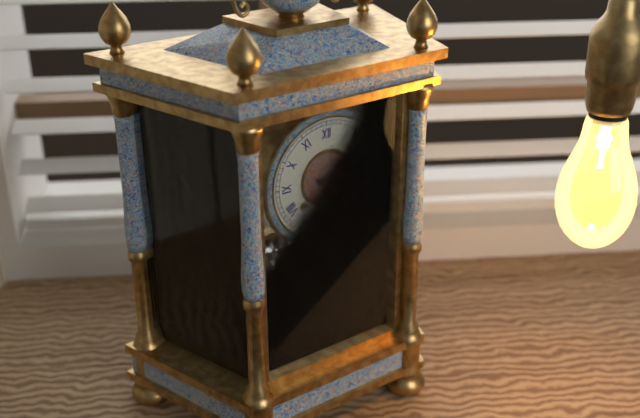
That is 2:16
